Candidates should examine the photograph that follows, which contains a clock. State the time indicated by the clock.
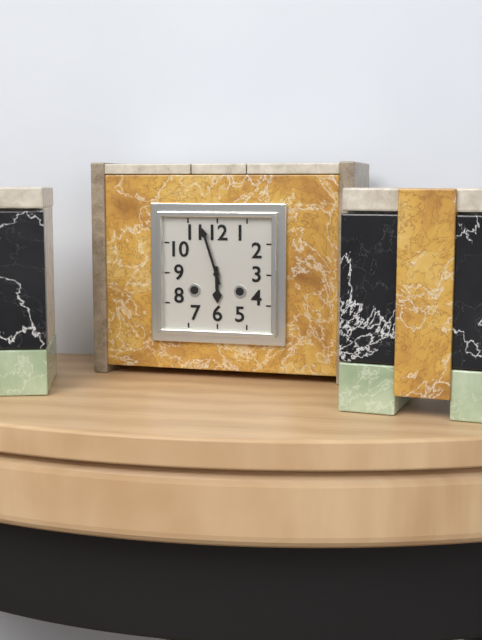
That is 5:57
